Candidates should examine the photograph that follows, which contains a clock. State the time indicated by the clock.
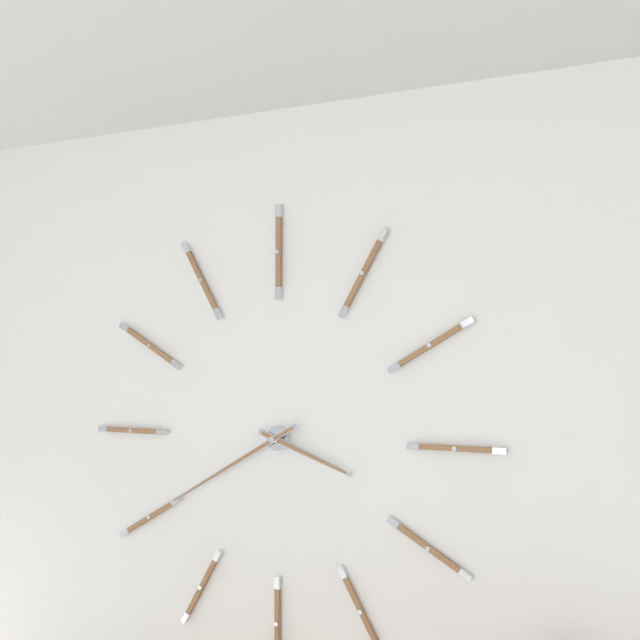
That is 3:40
